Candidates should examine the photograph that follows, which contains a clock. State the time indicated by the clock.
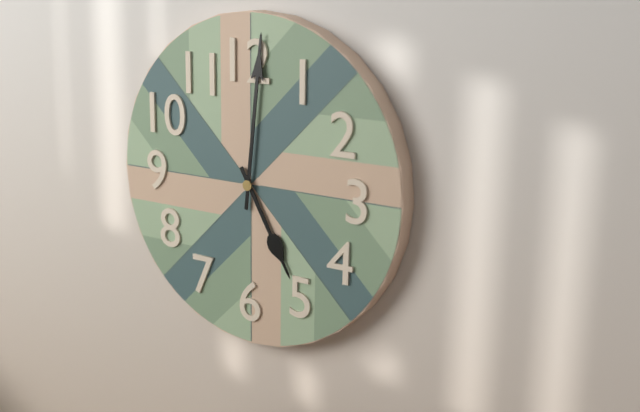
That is 5:01
